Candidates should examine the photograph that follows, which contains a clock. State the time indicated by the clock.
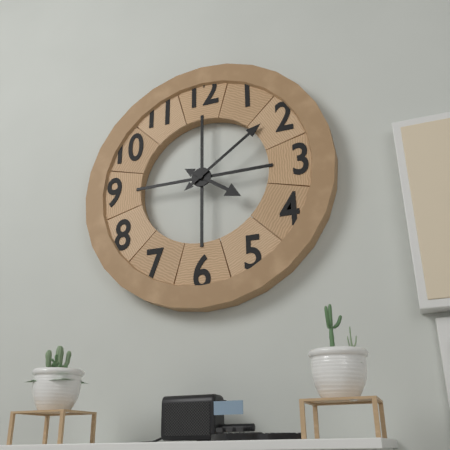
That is 4:09
